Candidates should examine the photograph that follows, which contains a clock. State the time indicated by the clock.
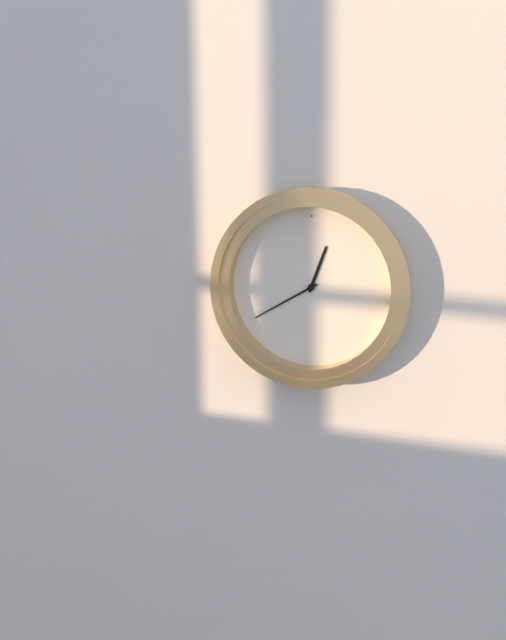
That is 12:40
